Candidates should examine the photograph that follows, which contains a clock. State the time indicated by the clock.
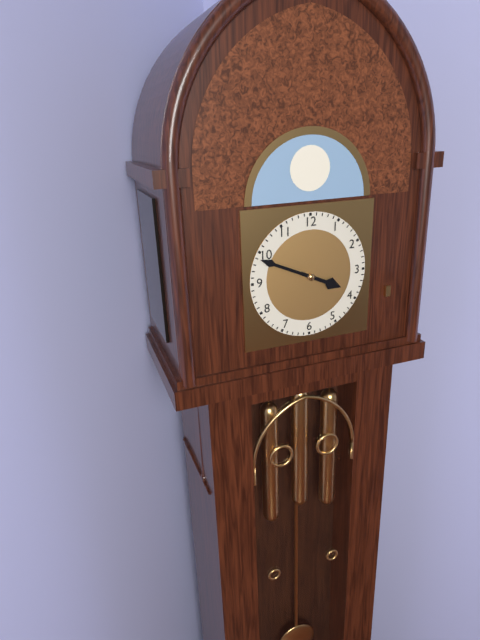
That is 3:49
